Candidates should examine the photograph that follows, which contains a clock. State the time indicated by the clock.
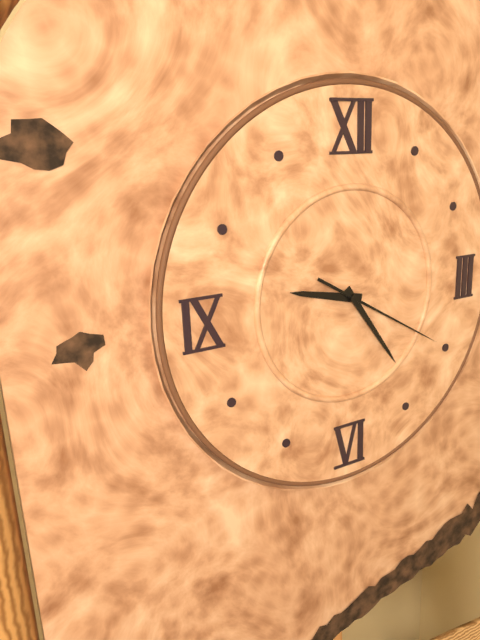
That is 9:24:20
